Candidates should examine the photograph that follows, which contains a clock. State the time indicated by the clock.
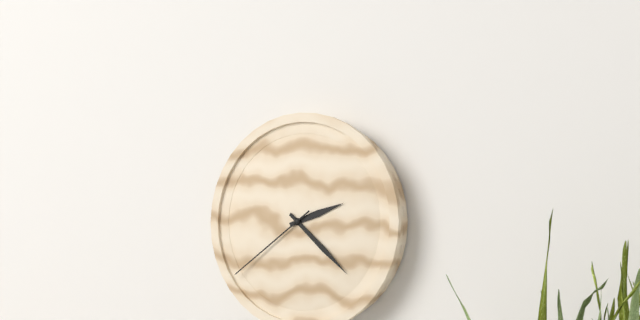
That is 2:22:39
